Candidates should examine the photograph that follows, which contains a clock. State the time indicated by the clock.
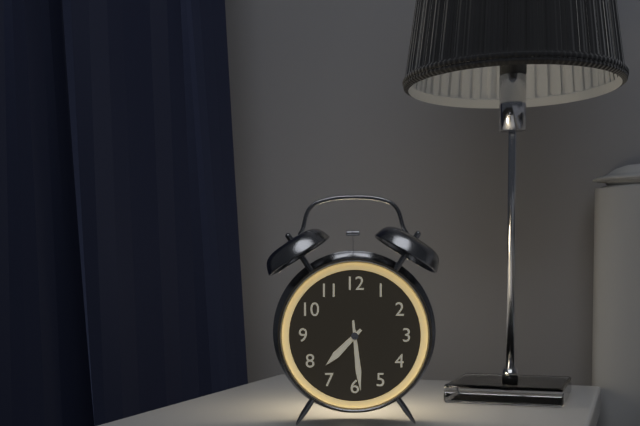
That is 7:29
